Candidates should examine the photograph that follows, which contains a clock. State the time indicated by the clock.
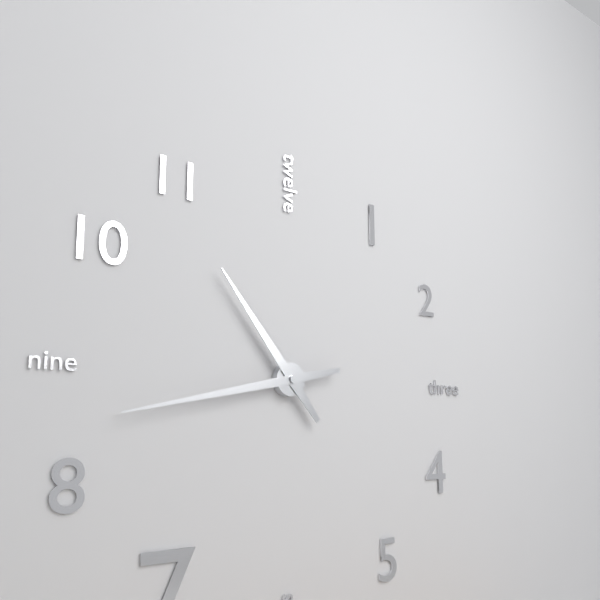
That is 10:43
